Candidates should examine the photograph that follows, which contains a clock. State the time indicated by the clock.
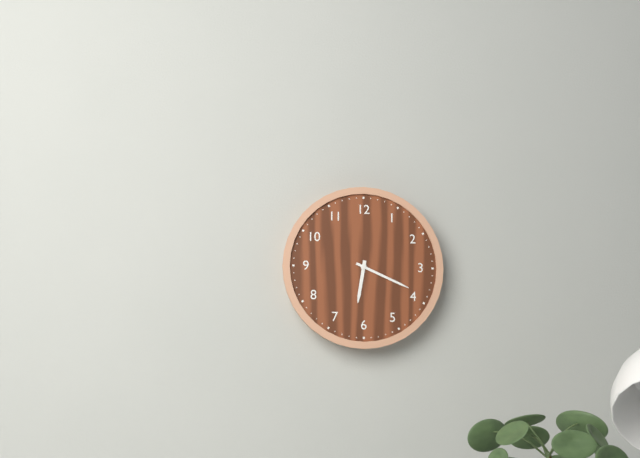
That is 6:19
